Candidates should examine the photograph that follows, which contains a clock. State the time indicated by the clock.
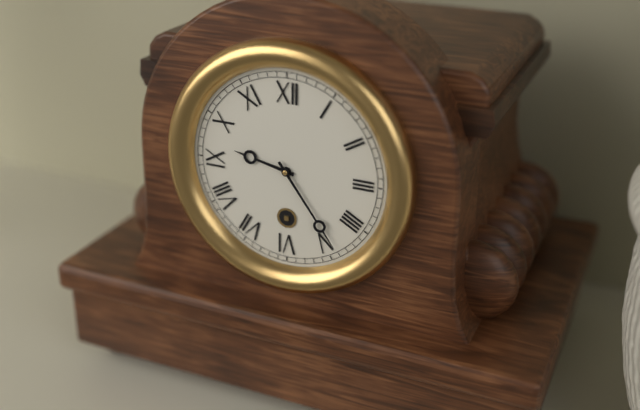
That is 9:24
